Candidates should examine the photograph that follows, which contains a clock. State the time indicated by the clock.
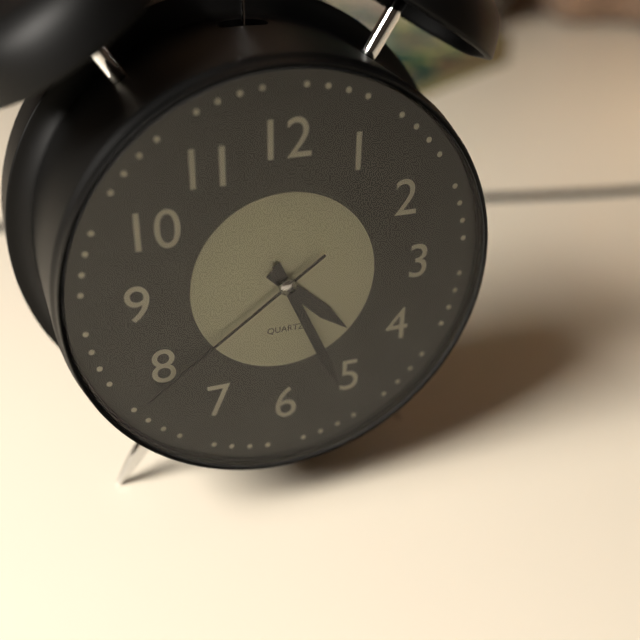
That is 4:26:39
